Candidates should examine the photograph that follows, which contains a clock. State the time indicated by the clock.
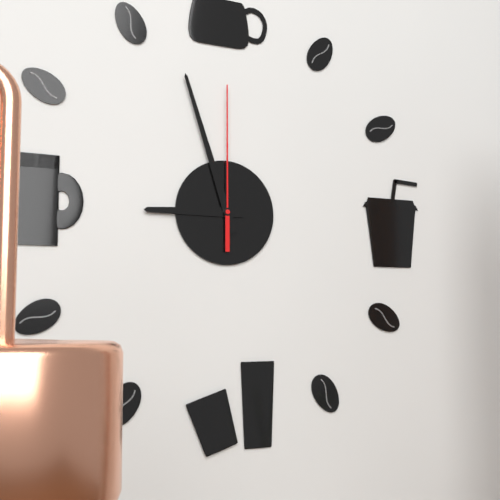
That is 8:57:00
